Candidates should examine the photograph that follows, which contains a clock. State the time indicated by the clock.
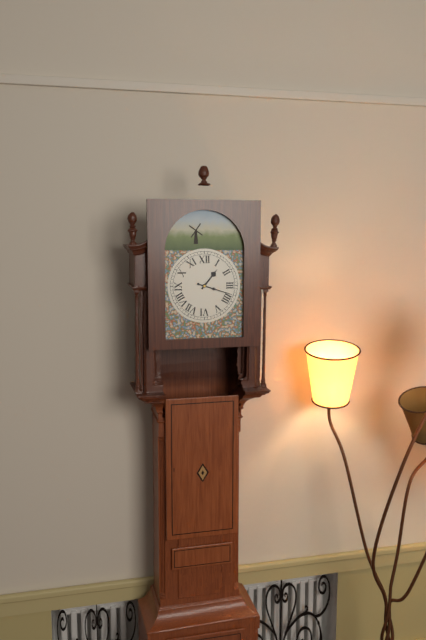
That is 1:18
